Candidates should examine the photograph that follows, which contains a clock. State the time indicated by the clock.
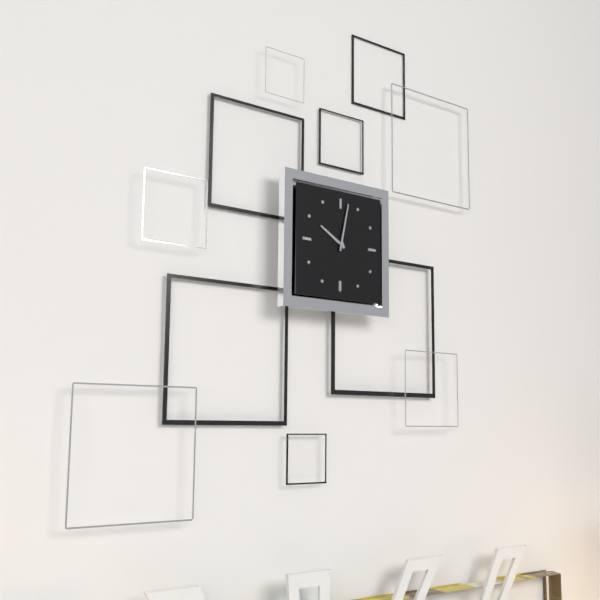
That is 10:02
